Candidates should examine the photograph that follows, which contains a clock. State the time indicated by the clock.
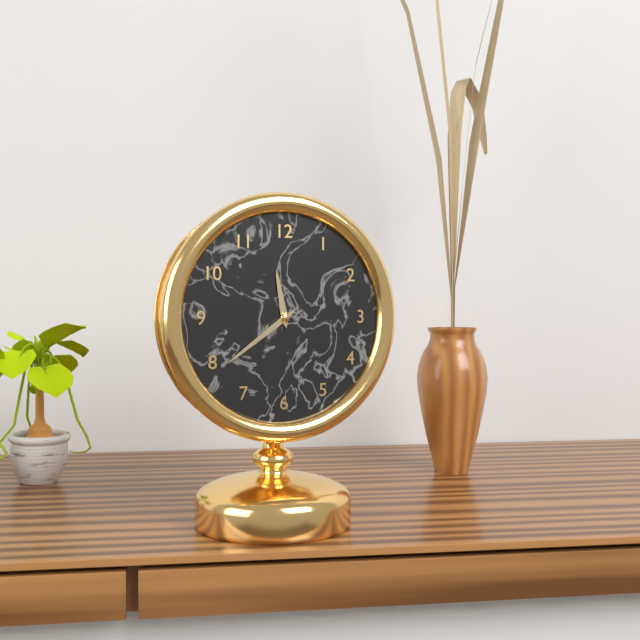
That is 11:39
